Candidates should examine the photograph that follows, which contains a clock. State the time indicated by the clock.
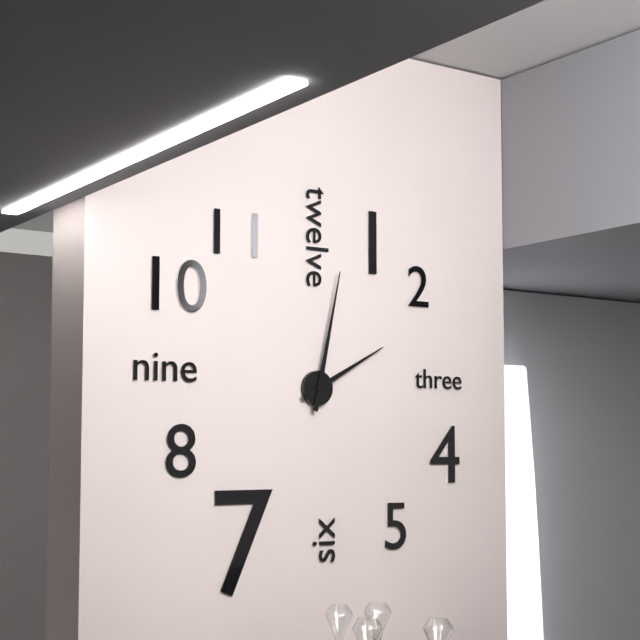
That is 2:02
